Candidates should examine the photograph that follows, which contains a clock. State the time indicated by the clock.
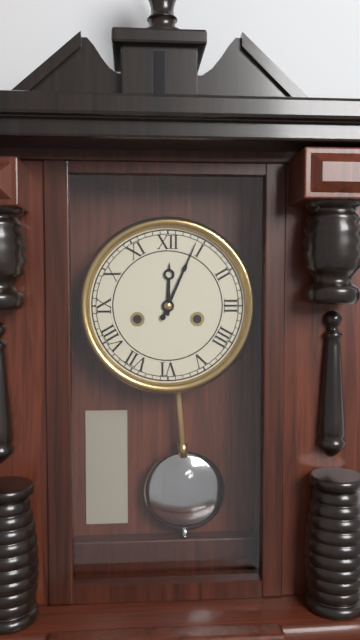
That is 12:04
